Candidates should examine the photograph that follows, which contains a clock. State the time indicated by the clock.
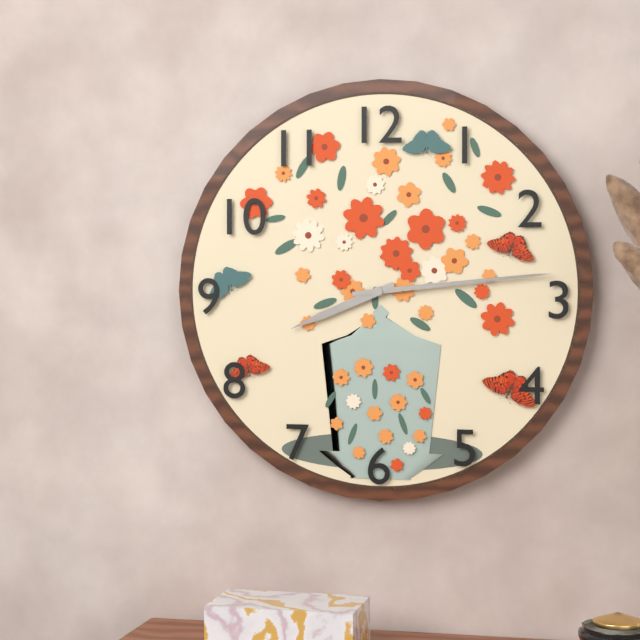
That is 8:14
